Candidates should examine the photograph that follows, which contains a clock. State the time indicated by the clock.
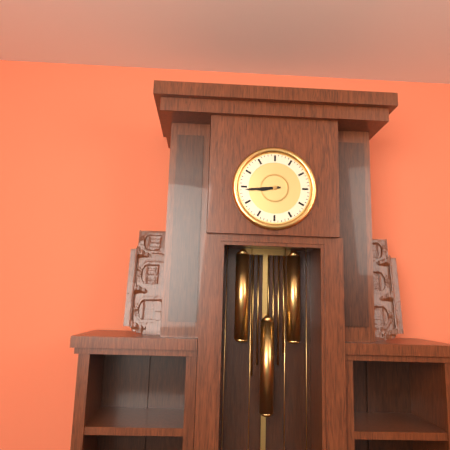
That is 8:44
